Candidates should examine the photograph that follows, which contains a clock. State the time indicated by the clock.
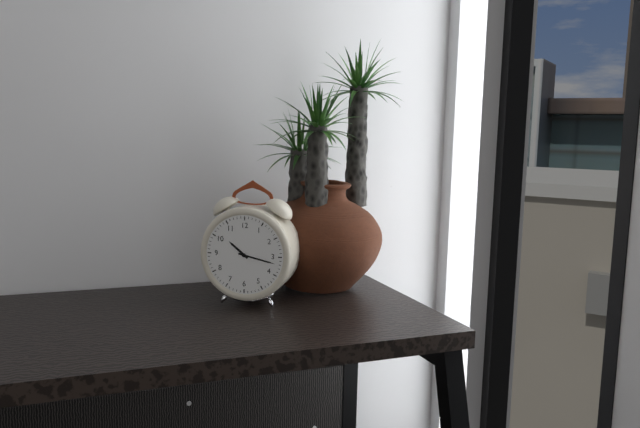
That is 10:17
